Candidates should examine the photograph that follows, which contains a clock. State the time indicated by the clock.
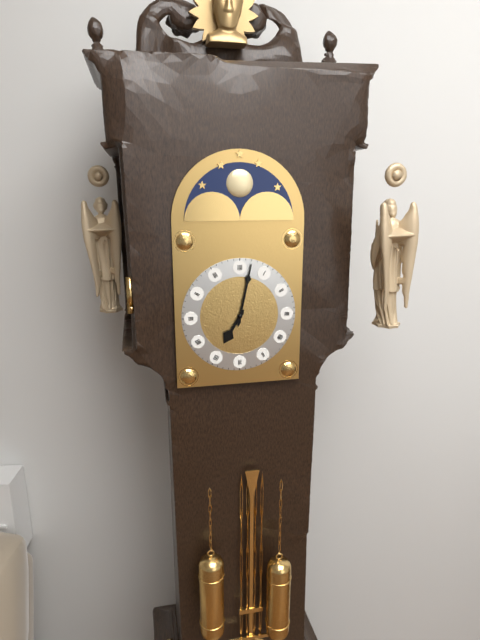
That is 7:02
